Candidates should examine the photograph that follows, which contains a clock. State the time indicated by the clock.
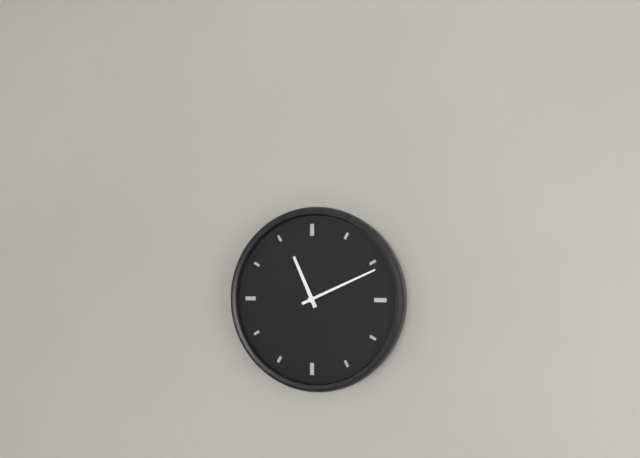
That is 11:11
